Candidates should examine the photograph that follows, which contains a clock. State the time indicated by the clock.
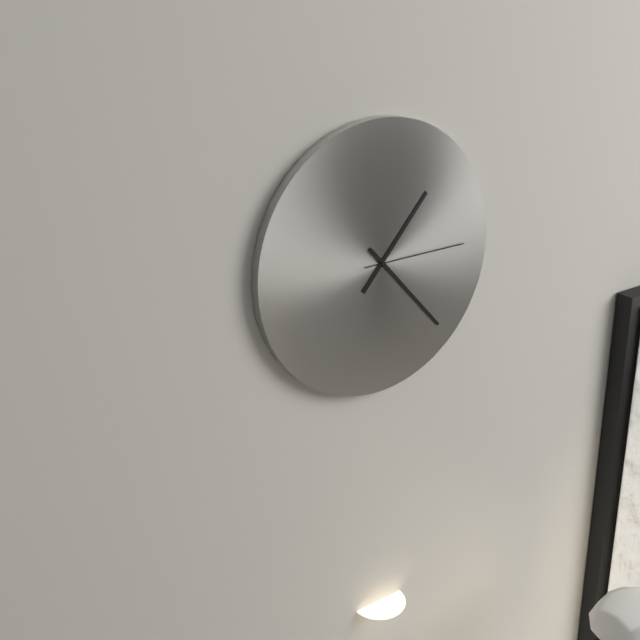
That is 1:23:15
